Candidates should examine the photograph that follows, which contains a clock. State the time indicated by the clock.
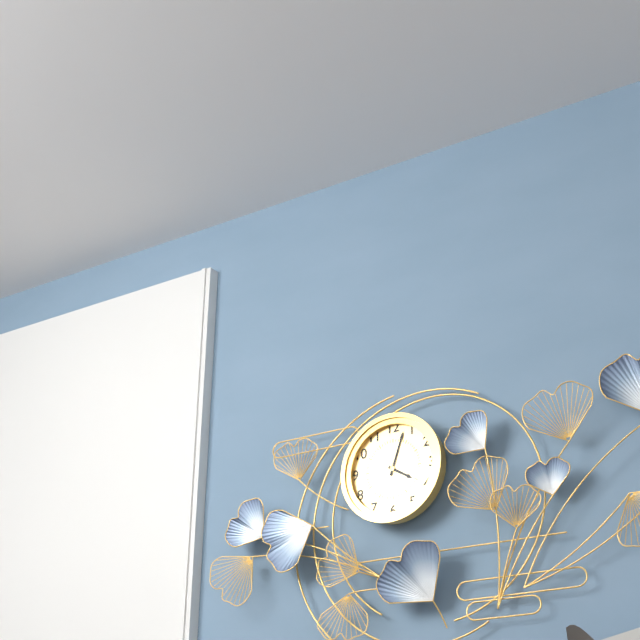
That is 4:03
